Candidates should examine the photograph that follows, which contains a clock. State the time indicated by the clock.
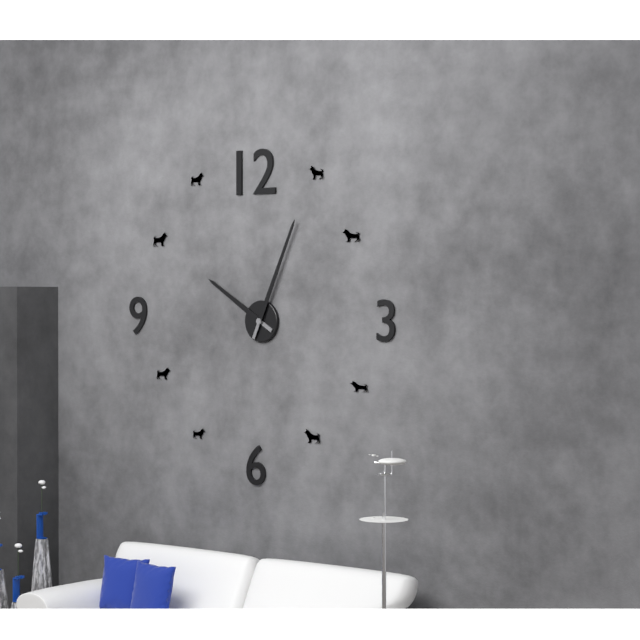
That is 10:04
